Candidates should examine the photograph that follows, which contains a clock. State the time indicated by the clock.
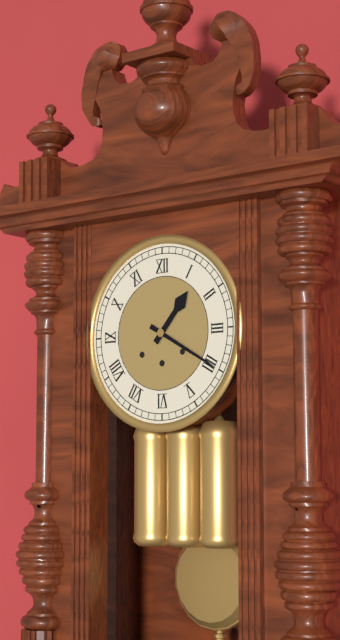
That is 1:20
